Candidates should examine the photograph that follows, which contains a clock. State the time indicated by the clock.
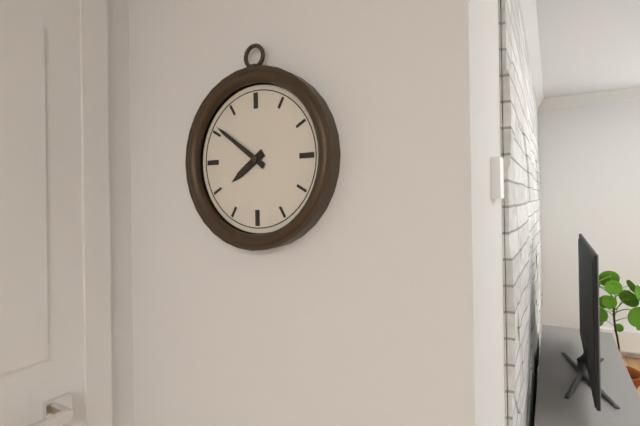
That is 7:51
